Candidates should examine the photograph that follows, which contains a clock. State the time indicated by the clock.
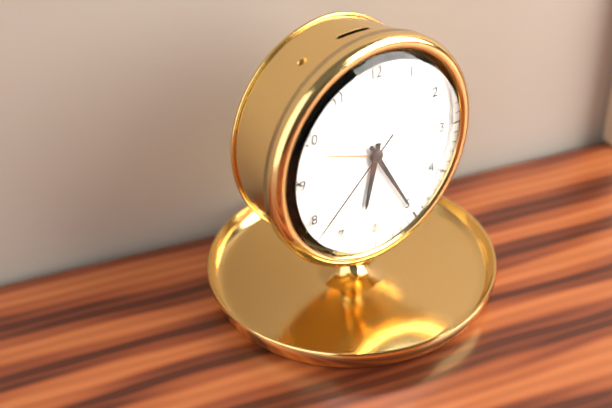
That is 6:25:38
